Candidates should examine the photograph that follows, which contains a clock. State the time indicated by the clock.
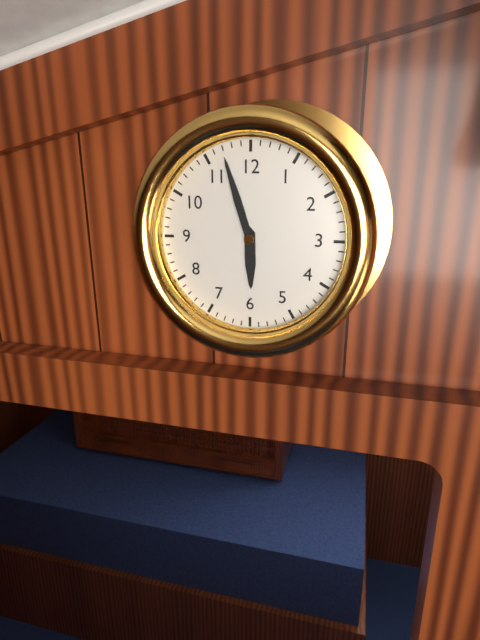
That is 5:57
